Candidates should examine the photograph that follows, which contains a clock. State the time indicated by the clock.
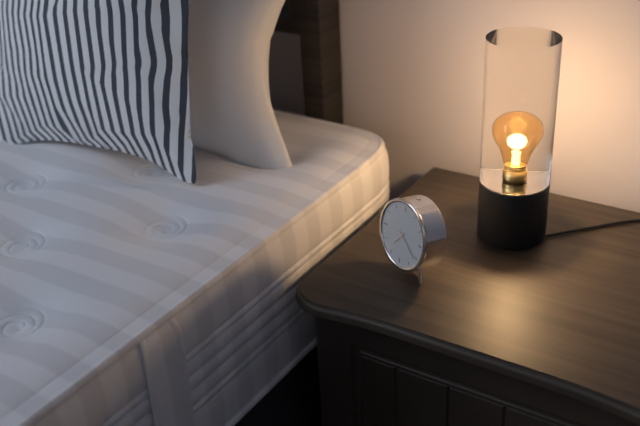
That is 7:21
